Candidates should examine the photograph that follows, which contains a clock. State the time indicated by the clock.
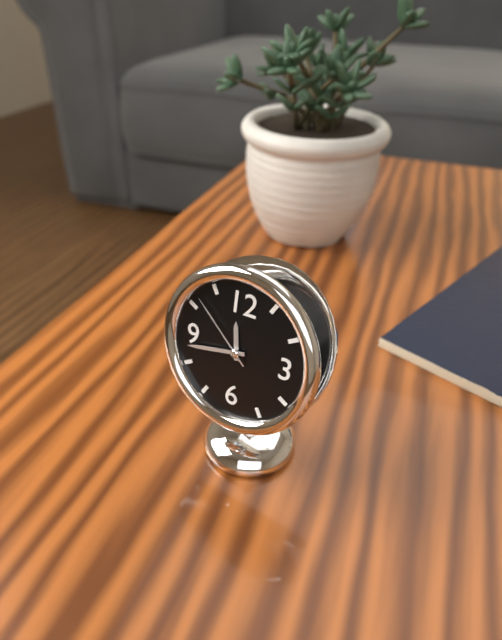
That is 11:43:52
